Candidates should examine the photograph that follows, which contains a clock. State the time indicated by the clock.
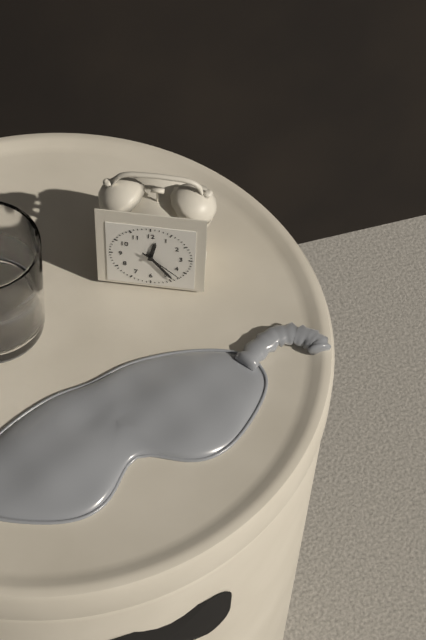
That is 12:24
